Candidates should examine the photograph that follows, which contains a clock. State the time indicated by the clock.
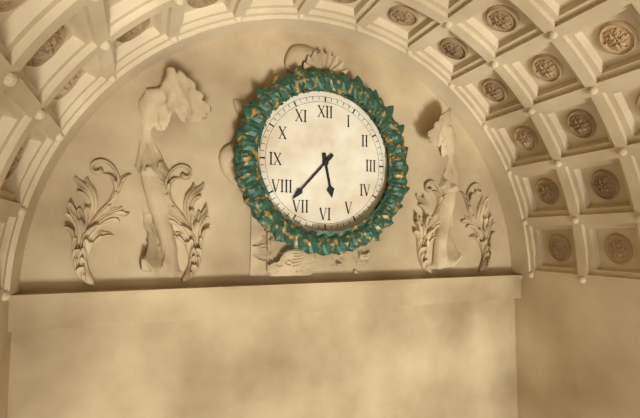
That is 5:37
